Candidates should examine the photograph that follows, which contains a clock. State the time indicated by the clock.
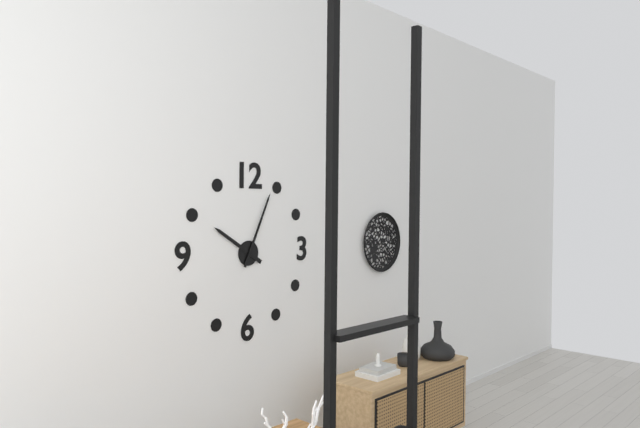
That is 10:04
